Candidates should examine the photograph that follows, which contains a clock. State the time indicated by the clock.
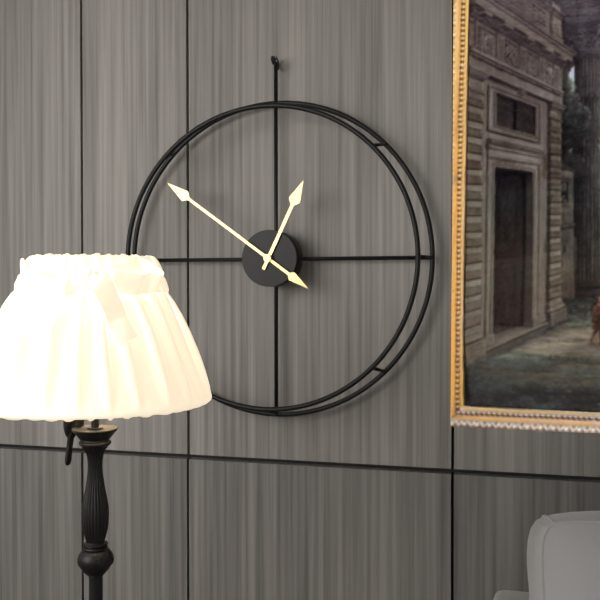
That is 12:51
